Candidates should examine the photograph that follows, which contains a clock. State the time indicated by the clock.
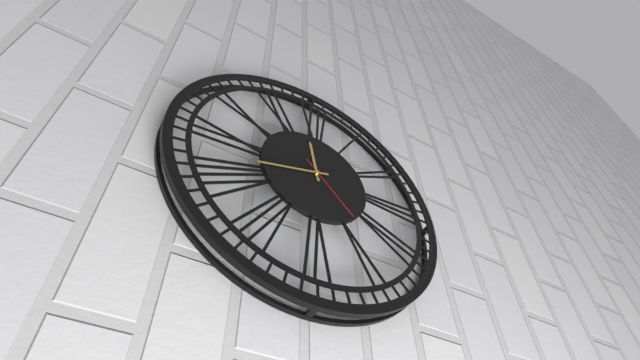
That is 11:42:23
